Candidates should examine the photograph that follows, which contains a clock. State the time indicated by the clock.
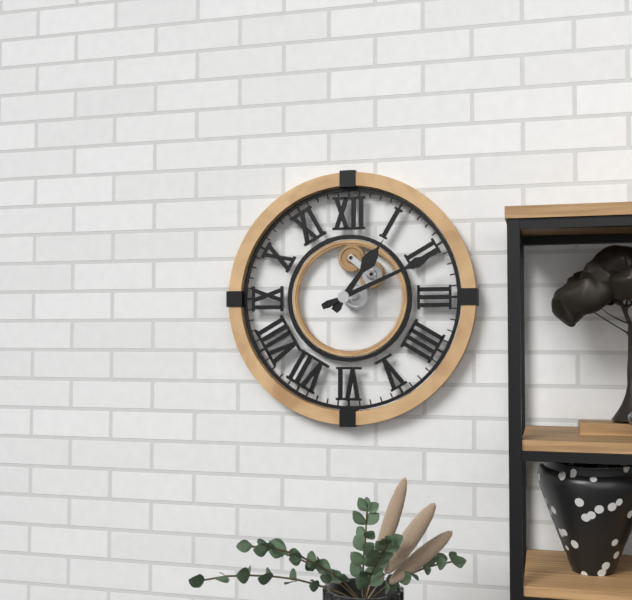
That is 1:11
